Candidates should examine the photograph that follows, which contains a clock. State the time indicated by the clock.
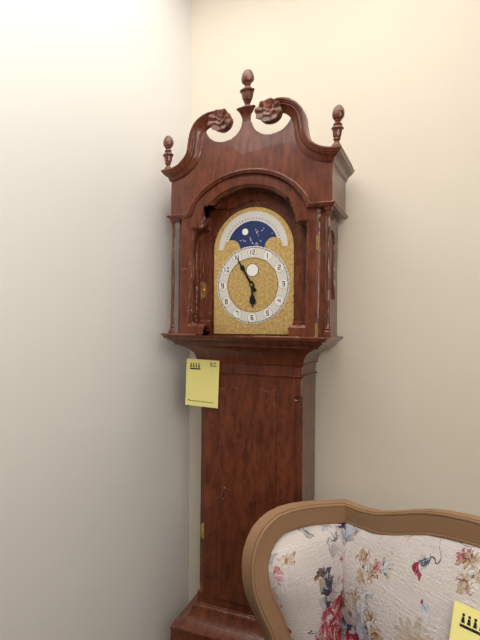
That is 5:55
